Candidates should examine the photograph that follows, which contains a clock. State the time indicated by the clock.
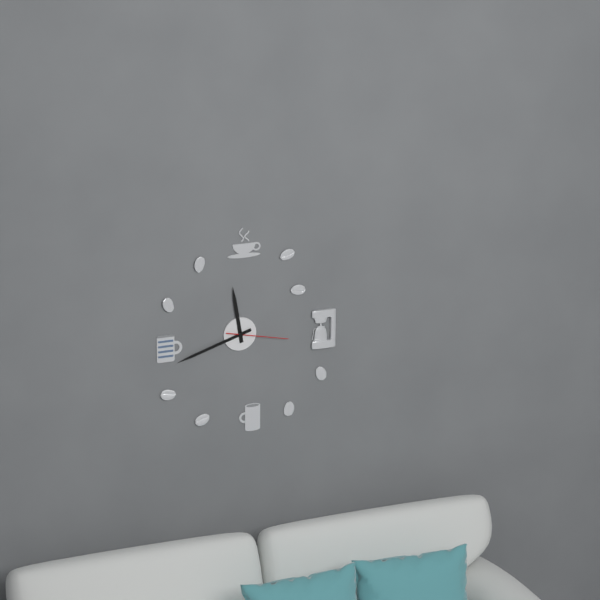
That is 11:42:17
